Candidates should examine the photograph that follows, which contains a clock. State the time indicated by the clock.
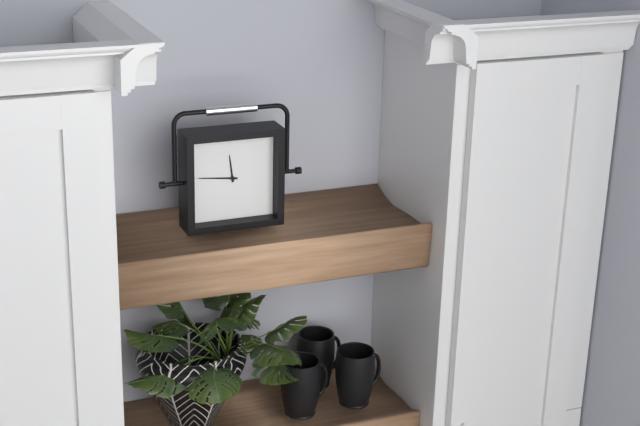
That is 11:46
